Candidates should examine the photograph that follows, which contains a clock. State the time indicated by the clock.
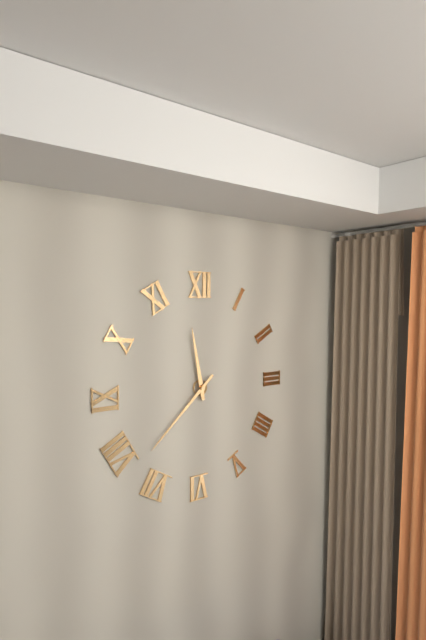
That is 11:38
